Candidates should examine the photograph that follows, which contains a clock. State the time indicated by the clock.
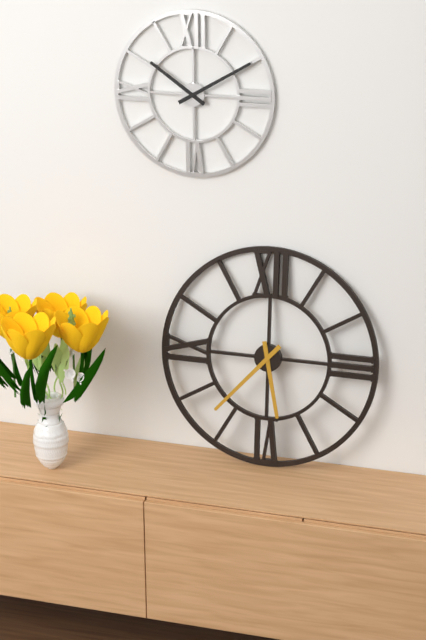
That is 5:37
